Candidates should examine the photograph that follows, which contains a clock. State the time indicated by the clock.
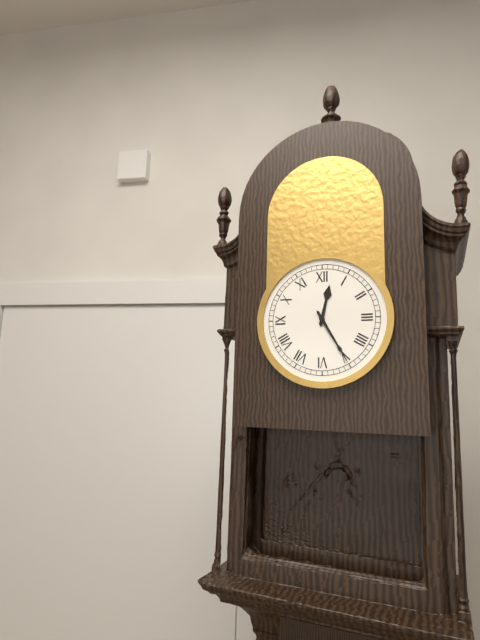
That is 12:25
